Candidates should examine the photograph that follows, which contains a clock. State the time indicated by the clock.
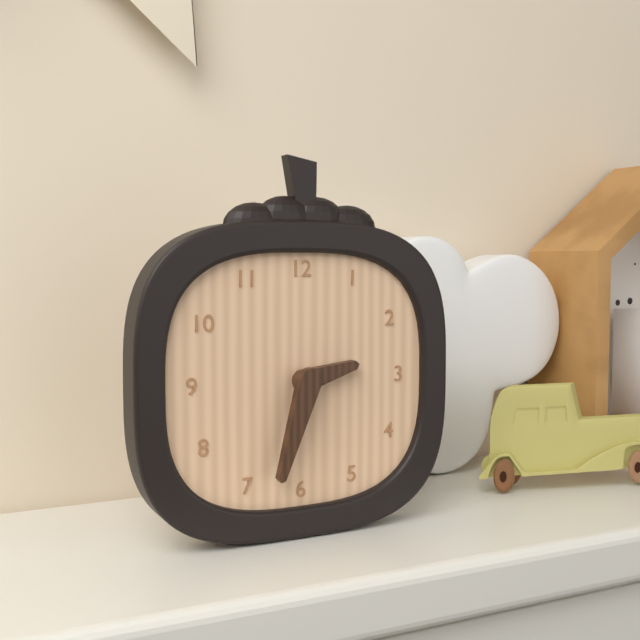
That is 2:33
